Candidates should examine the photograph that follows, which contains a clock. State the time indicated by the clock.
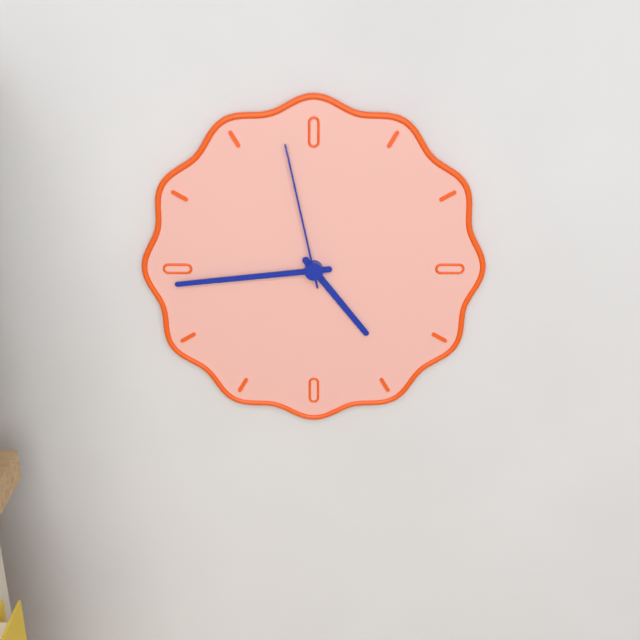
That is 4:44:58
